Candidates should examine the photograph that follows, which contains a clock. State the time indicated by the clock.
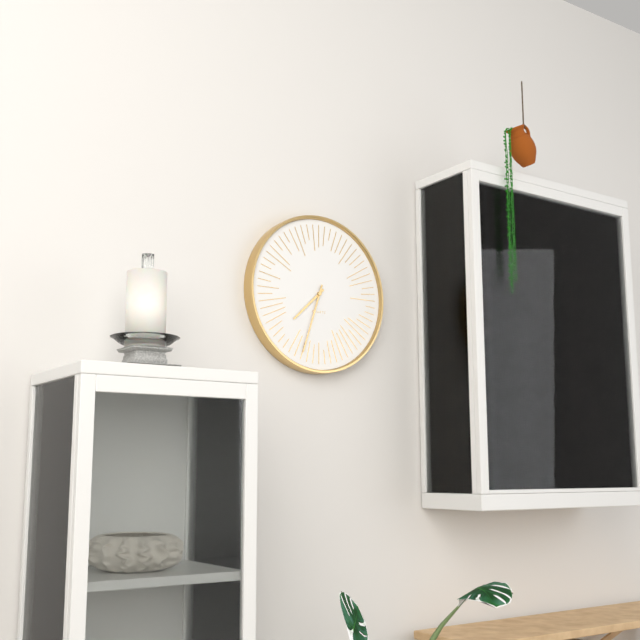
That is 7:33
